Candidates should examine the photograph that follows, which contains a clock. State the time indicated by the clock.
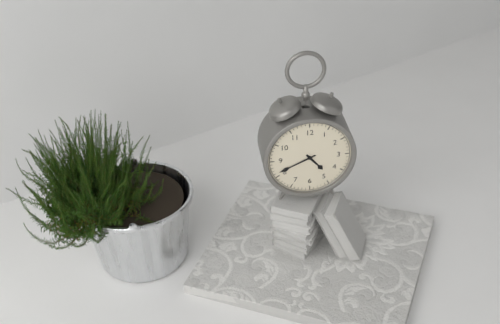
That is 4:41
